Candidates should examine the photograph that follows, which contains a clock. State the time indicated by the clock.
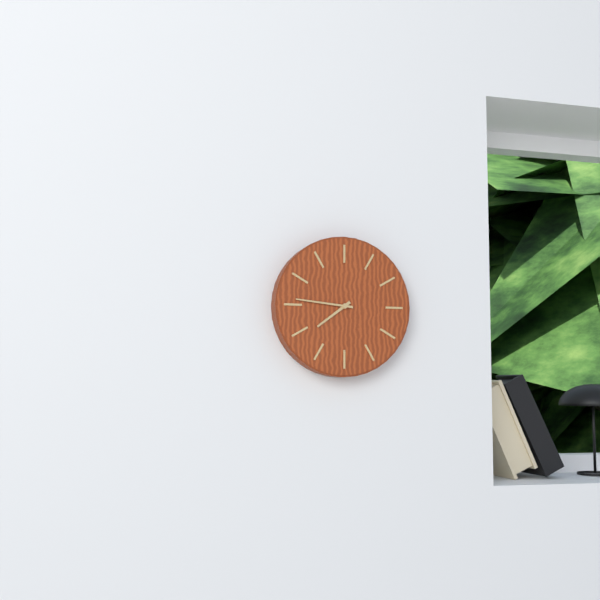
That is 7:46
